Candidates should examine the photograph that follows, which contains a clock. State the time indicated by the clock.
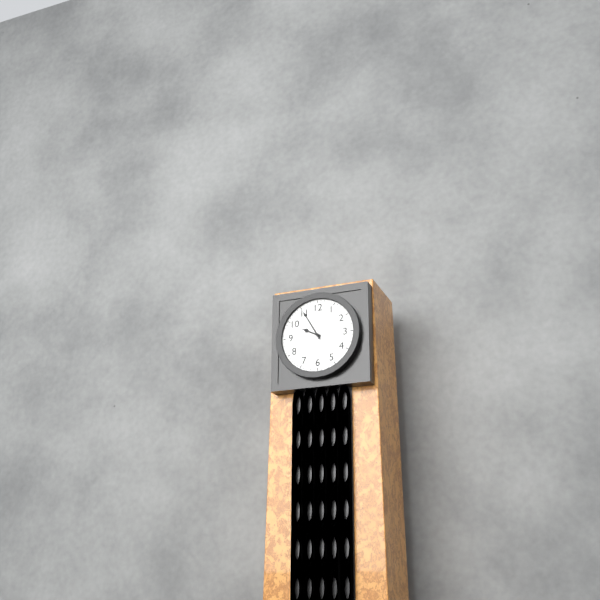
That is 9:55
